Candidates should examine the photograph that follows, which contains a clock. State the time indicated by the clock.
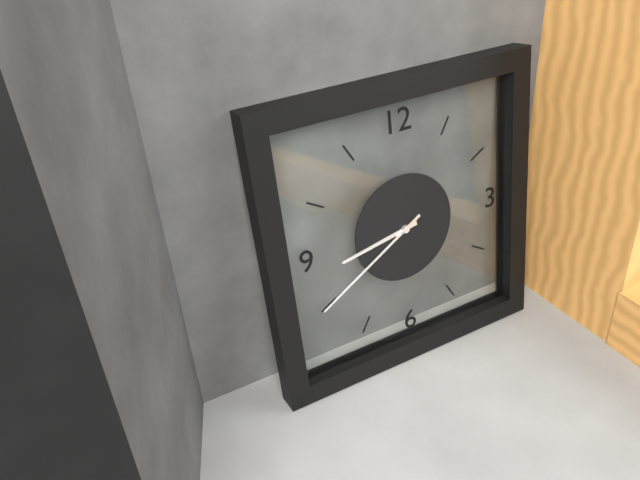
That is 8:40
